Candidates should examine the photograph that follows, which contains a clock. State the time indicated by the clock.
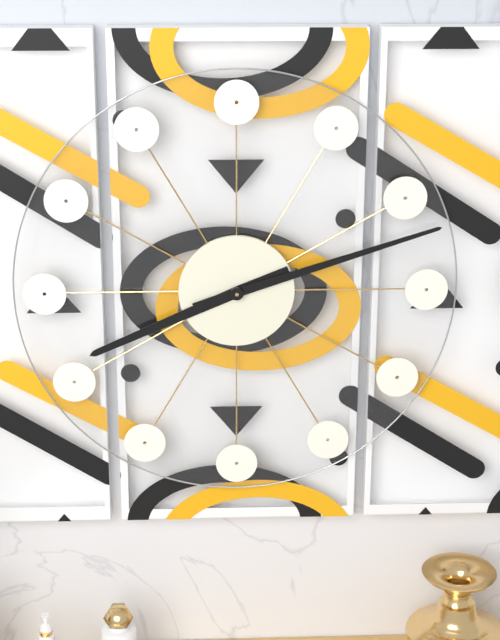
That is 8:12
